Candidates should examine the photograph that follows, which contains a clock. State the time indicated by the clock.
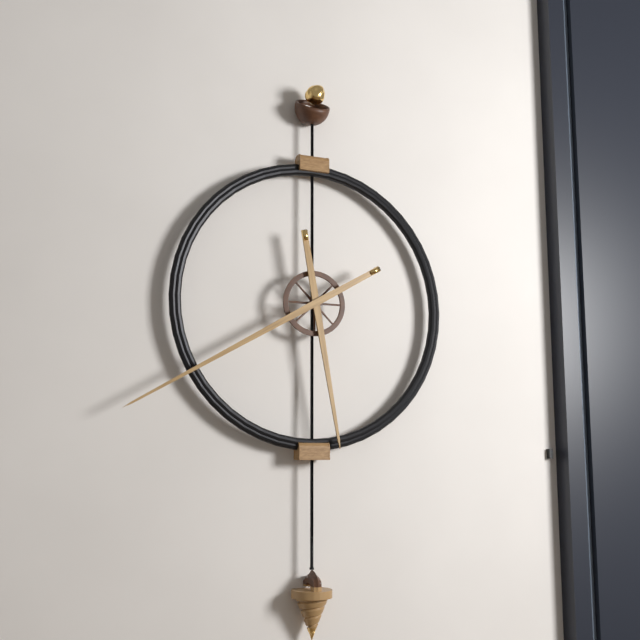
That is 5:40
